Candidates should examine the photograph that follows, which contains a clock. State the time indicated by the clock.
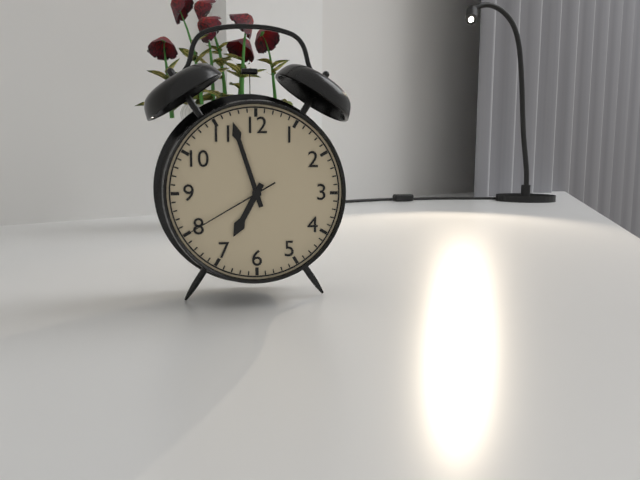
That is 6:57:40
